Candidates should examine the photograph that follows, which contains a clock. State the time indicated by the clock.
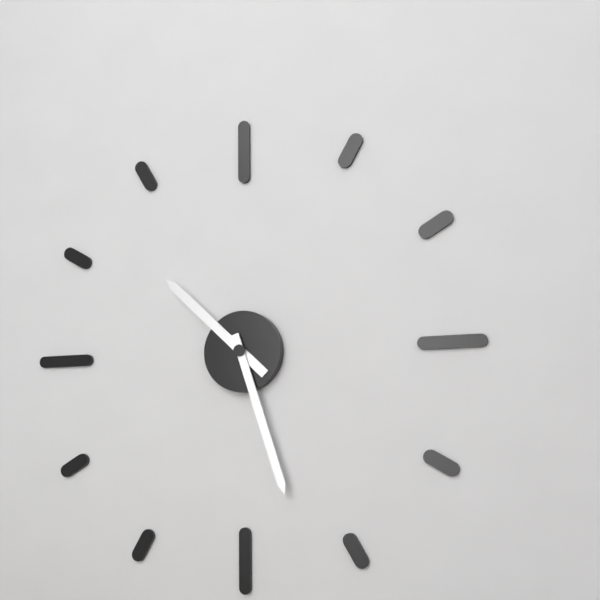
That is 10:27
